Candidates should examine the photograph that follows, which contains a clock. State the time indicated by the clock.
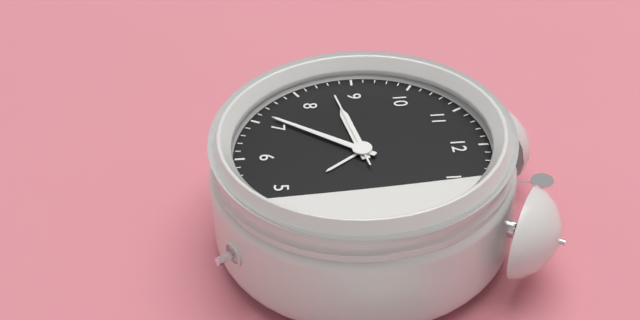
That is 8:36:43
